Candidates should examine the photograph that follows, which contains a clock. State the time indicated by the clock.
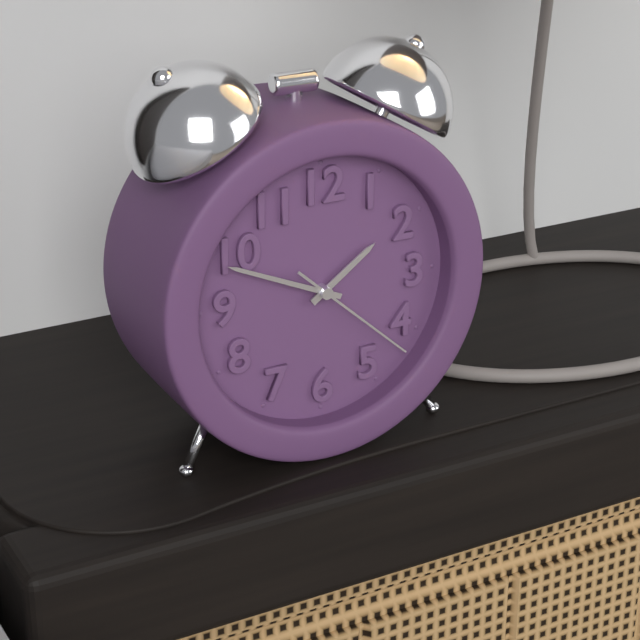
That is 1:49:22
